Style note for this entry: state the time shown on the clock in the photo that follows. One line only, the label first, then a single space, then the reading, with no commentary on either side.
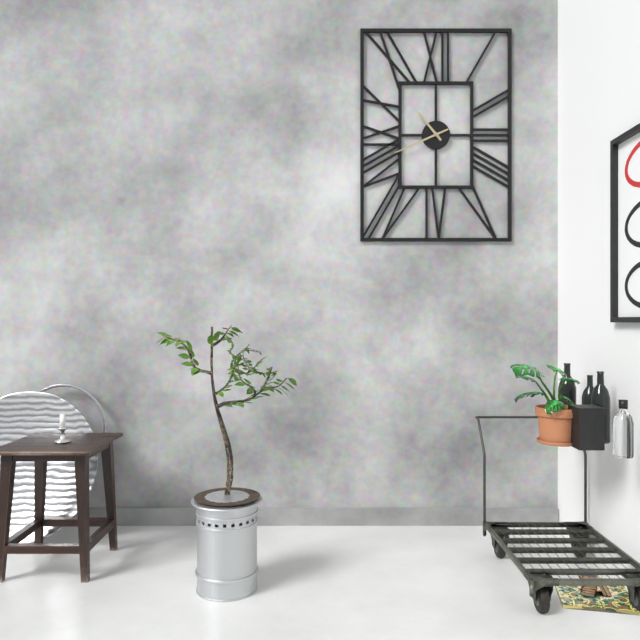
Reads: 10:41
